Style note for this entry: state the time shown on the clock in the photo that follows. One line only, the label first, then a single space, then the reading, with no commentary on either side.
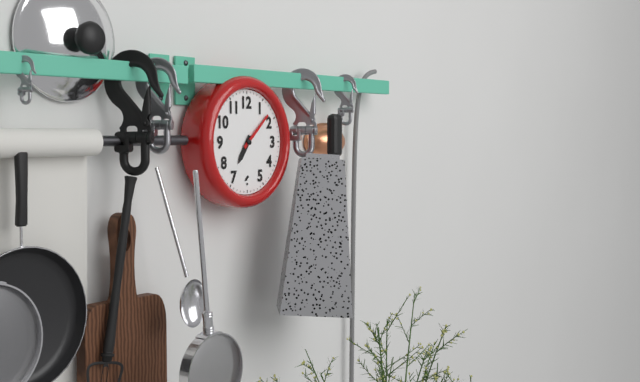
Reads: 7:08
